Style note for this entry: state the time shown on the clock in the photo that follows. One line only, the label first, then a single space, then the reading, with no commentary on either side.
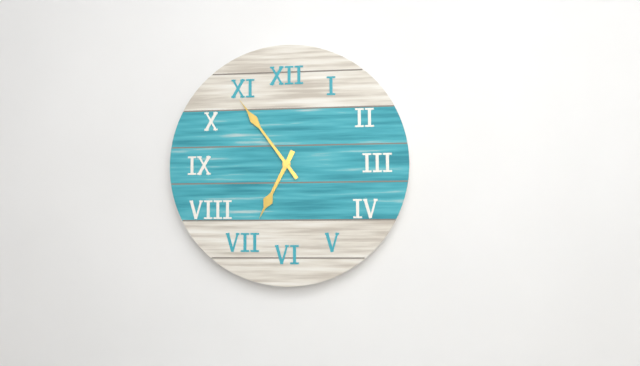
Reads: 6:54
